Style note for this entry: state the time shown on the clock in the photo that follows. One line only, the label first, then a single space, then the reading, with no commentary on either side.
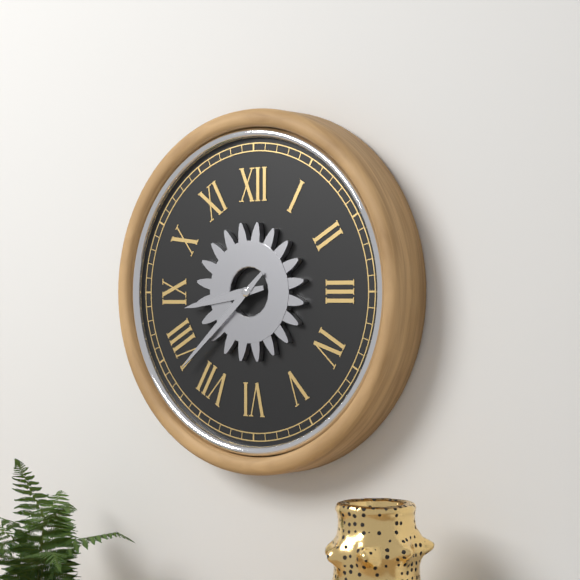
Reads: 8:38
